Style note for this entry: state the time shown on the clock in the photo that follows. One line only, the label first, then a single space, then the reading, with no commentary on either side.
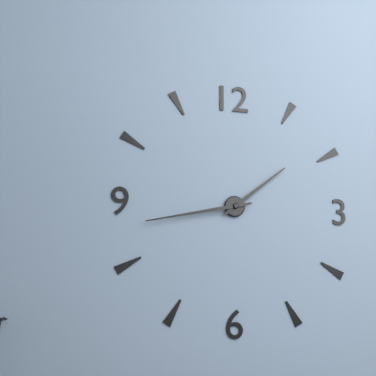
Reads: 1:43
